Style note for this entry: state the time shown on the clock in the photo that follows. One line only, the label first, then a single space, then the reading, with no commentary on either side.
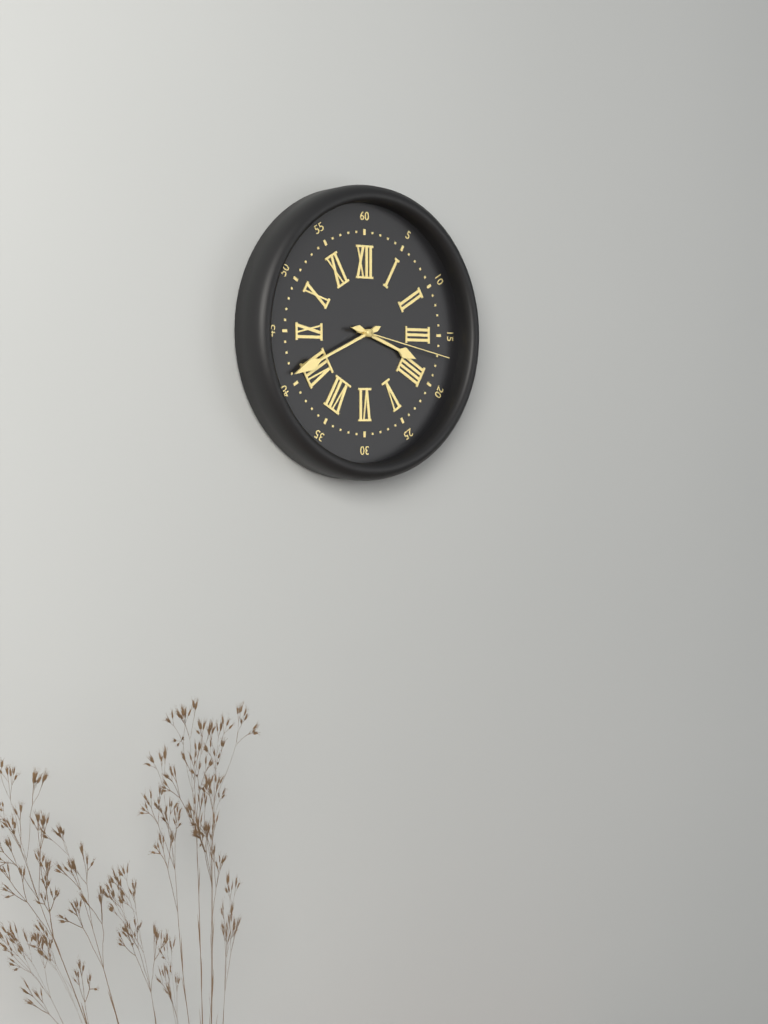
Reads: 3:41:17
